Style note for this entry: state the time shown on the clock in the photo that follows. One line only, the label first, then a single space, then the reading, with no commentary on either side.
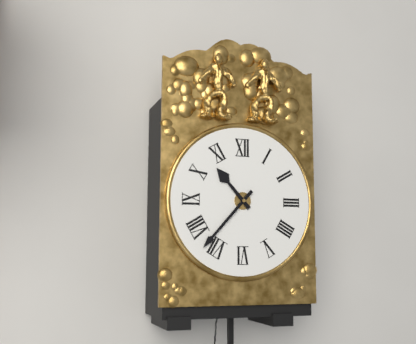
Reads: 10:37
